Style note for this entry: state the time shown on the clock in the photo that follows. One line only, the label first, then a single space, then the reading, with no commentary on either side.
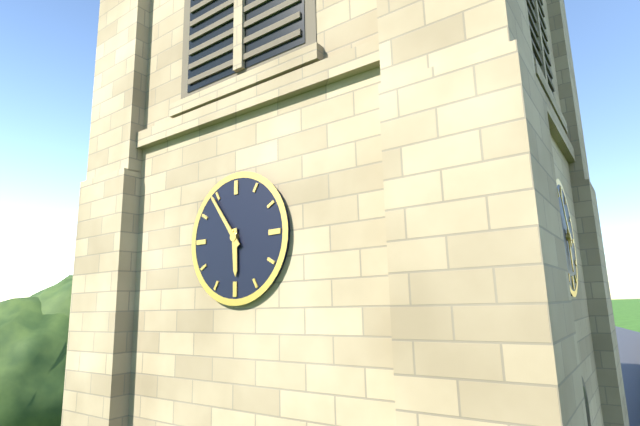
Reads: 5:54
